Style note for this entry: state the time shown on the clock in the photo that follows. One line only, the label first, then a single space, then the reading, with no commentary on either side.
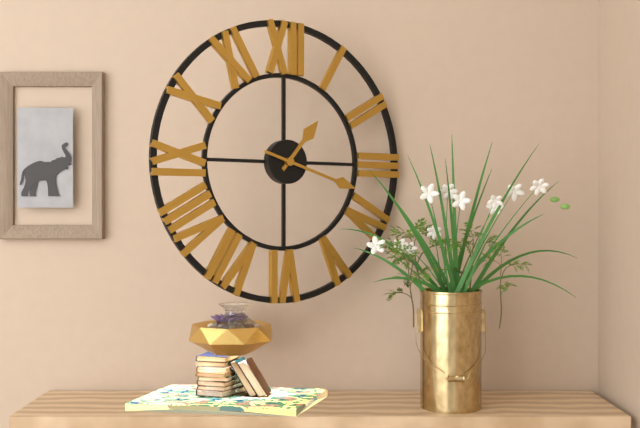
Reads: 1:18
